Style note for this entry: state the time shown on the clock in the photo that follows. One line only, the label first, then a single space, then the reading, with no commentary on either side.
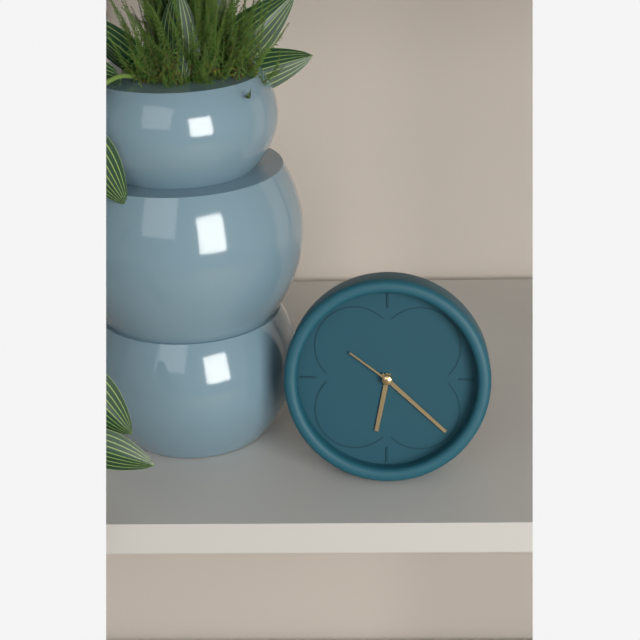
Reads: 6:22:51
